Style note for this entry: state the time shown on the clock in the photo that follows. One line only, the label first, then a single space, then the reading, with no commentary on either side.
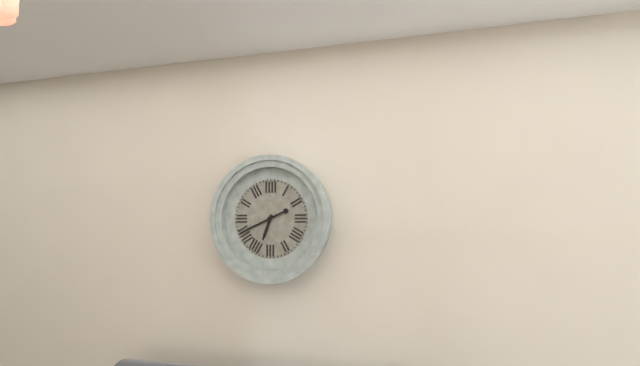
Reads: 6:41
